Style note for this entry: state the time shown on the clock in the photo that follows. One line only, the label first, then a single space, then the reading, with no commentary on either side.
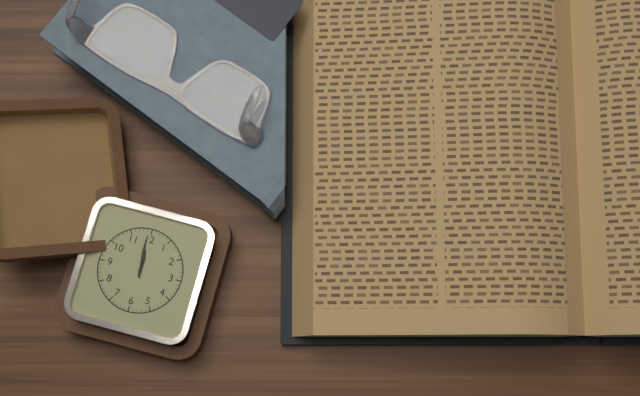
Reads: 11:59
